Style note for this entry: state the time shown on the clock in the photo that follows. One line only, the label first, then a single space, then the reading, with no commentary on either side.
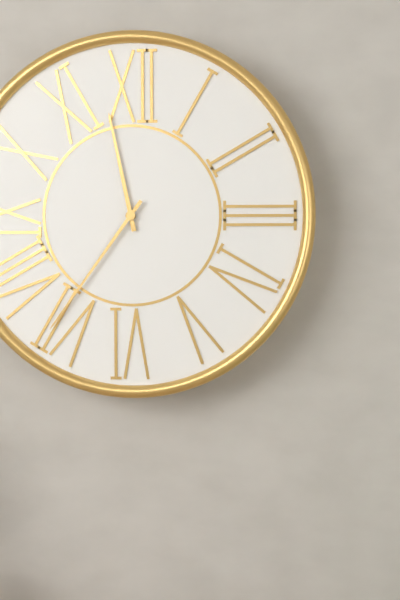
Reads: 11:36
